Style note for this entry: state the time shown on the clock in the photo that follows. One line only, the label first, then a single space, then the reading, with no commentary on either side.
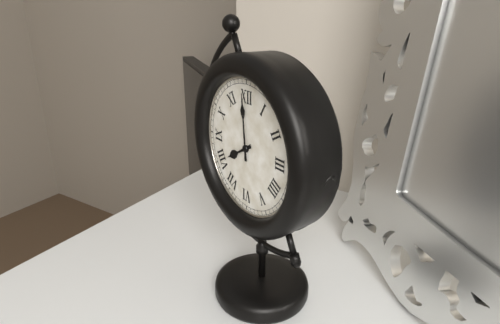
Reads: 7:59
